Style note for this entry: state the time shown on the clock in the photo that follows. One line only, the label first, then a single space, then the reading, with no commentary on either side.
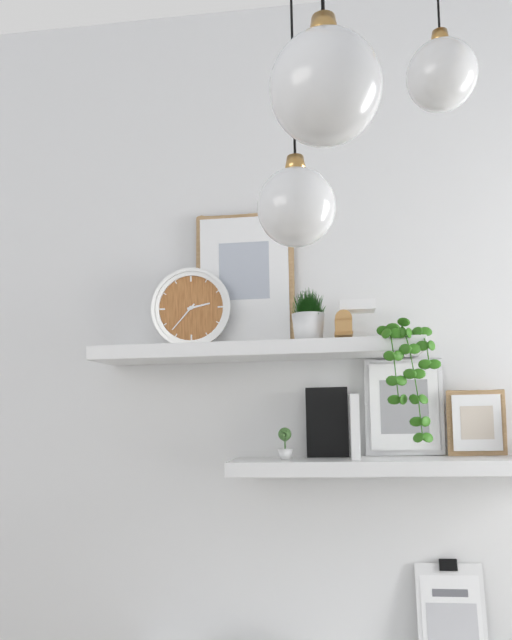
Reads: 2:37
